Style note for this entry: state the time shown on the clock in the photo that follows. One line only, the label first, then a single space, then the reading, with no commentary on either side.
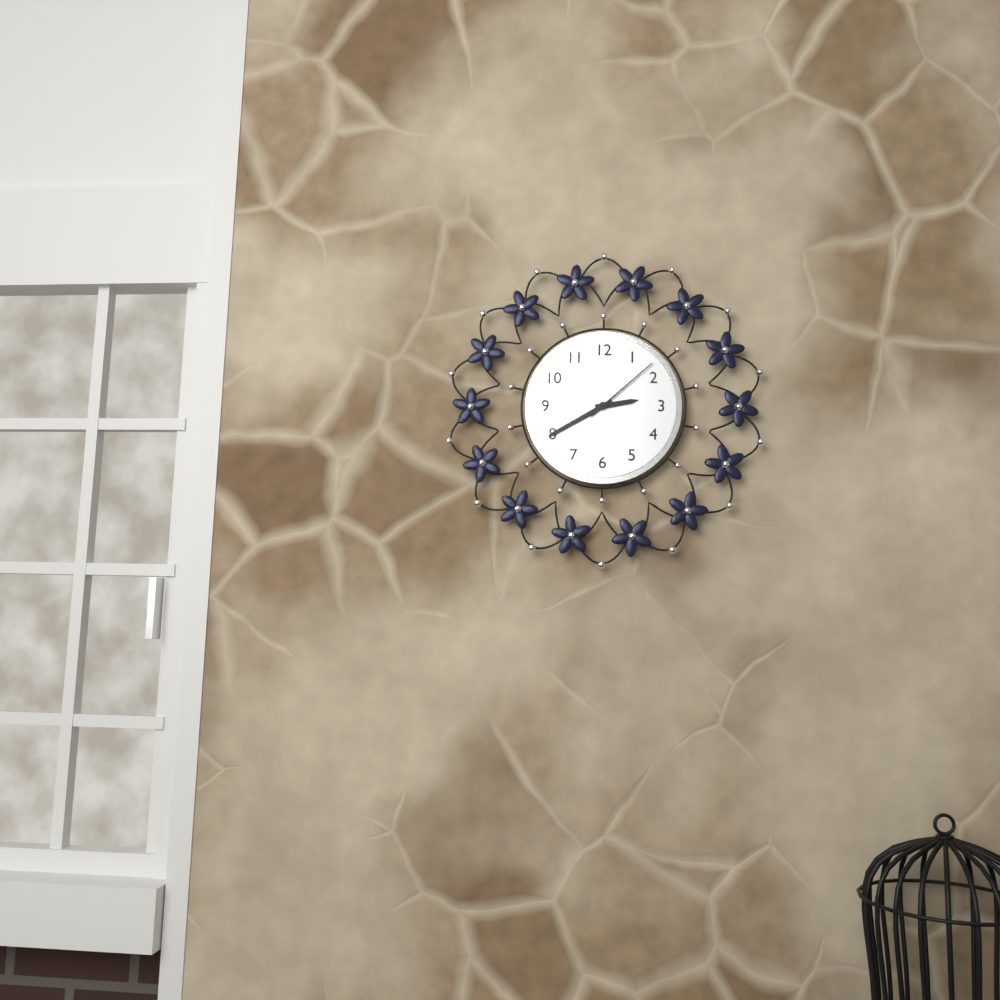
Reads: 2:40:08
